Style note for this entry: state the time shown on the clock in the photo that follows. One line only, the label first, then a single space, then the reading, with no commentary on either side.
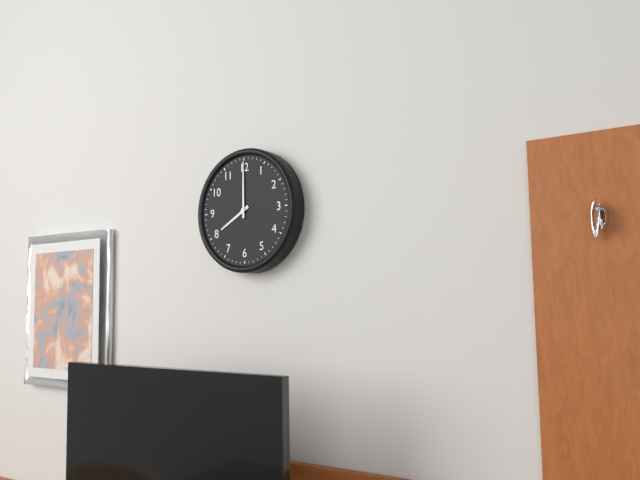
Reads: 8:00
